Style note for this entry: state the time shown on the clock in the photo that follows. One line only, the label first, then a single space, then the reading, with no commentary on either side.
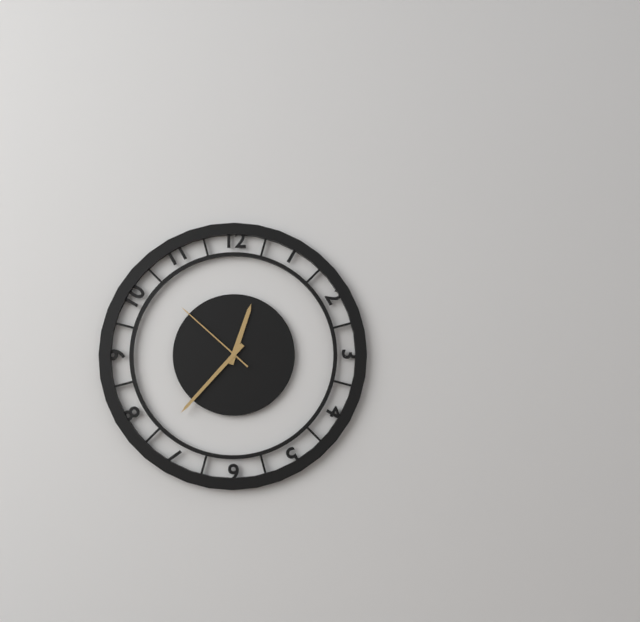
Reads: 12:37:52
